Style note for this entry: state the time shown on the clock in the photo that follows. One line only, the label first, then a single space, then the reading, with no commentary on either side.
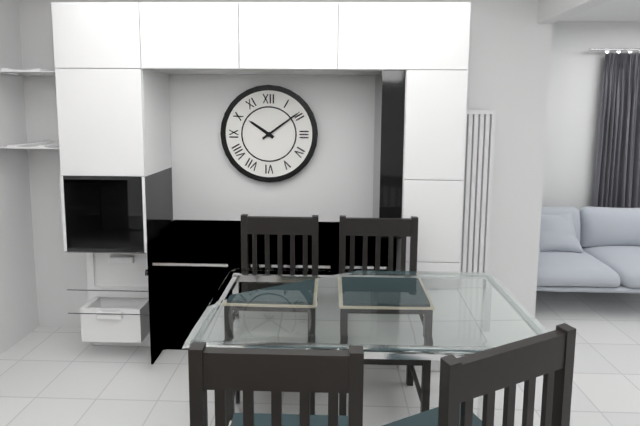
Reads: 10:09
